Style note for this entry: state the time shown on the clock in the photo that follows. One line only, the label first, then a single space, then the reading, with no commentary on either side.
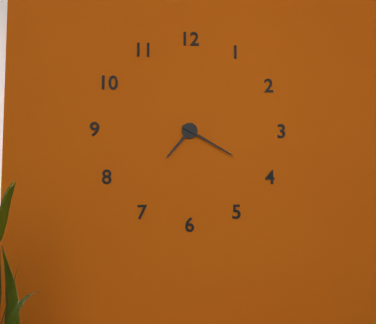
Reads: 7:20
